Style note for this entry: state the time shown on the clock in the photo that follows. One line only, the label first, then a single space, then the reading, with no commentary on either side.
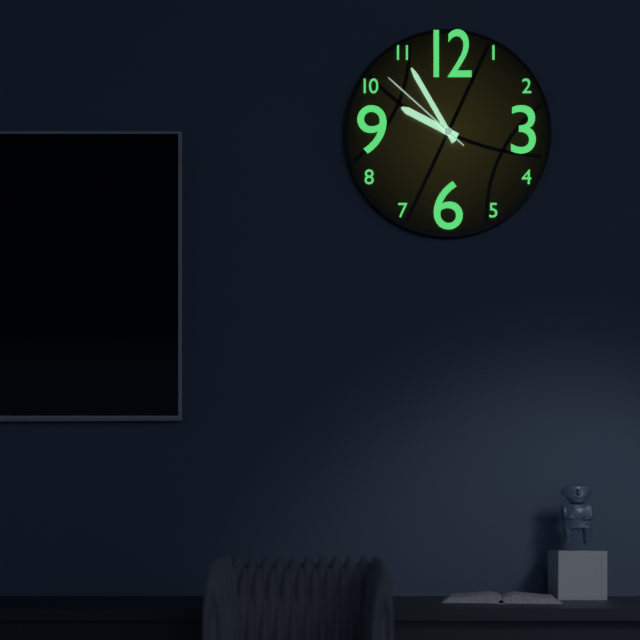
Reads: 9:55:52
